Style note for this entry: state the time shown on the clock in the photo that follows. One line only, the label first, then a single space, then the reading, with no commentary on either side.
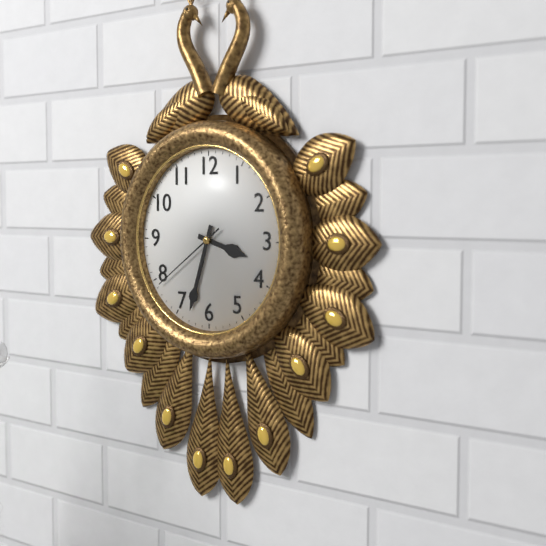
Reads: 3:33:39
